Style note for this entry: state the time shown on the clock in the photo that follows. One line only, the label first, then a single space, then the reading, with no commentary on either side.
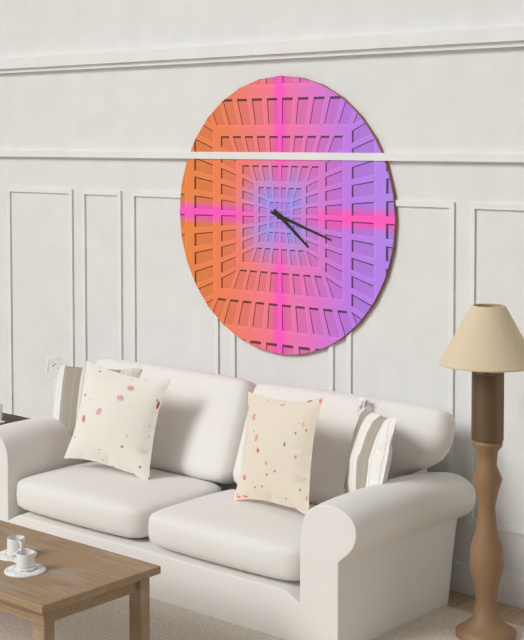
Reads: 4:18
